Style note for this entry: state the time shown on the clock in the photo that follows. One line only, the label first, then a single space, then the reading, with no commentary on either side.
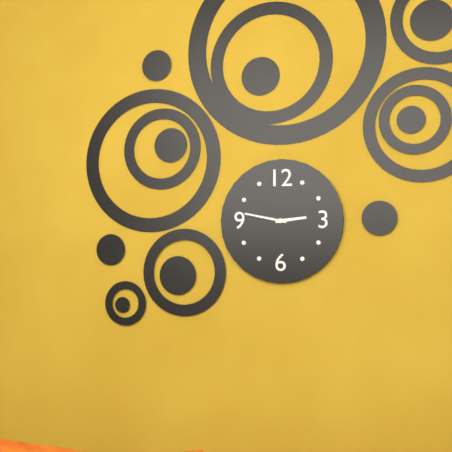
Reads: 2:47
